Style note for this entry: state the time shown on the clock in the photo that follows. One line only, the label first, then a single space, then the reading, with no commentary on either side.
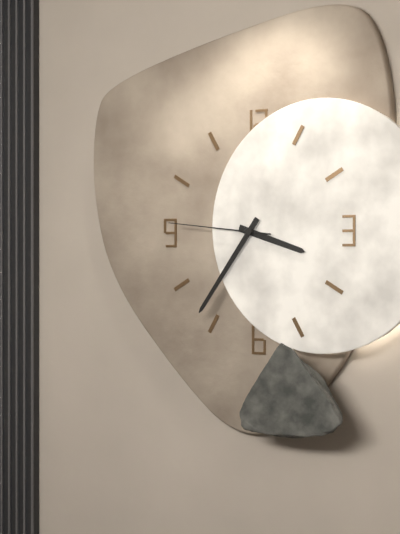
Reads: 3:36:46
